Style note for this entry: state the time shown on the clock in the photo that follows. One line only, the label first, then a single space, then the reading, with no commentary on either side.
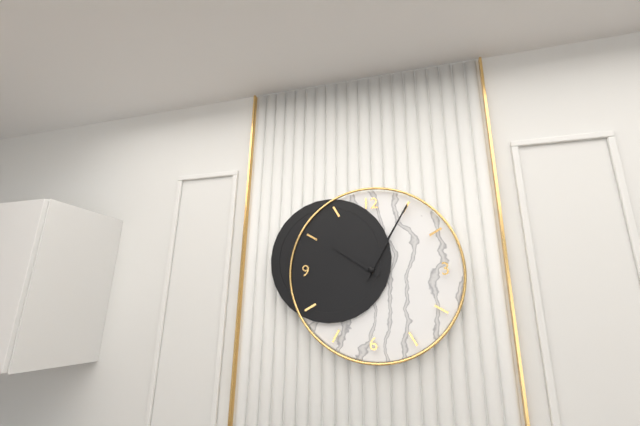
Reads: 10:05
